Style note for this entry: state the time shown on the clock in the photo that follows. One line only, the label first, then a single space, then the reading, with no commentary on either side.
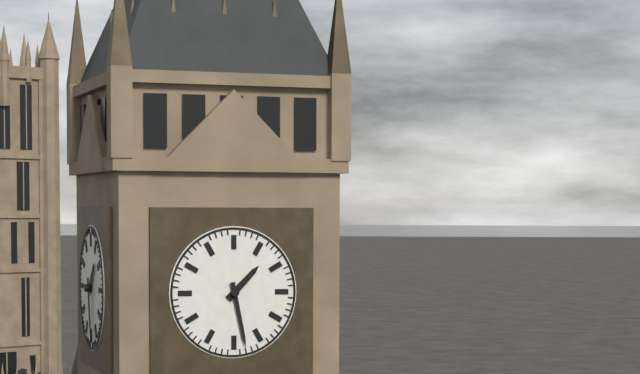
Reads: 1:28
